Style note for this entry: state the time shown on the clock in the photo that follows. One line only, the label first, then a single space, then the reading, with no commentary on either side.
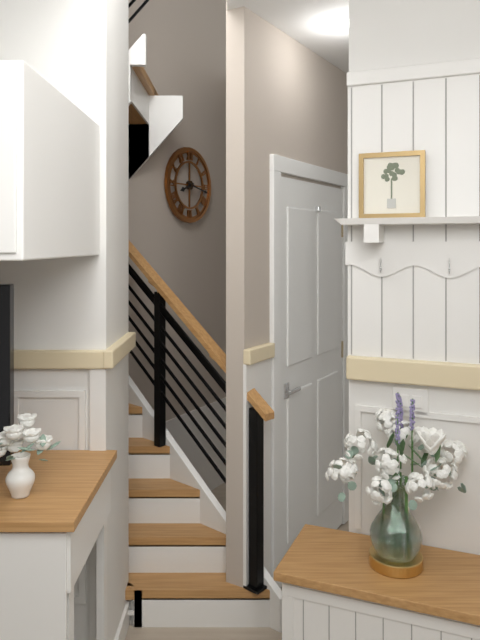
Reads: 8:17
